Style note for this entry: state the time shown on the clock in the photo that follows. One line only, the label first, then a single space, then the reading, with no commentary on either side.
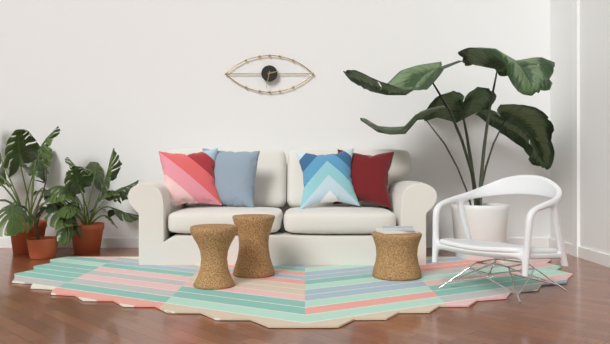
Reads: 2:32
